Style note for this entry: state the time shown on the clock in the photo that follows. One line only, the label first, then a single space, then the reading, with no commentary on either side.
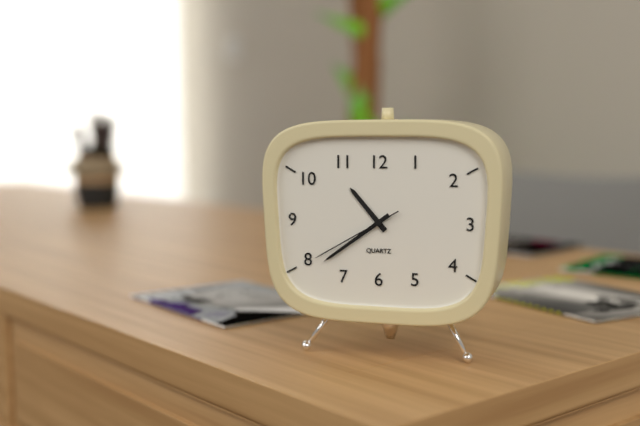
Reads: 10:39:40
